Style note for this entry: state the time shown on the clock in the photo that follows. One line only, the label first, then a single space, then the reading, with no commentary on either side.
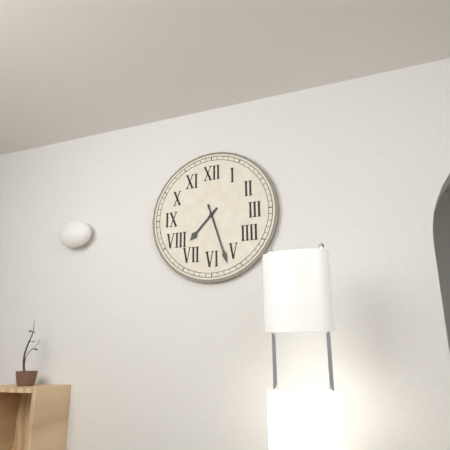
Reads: 7:27
